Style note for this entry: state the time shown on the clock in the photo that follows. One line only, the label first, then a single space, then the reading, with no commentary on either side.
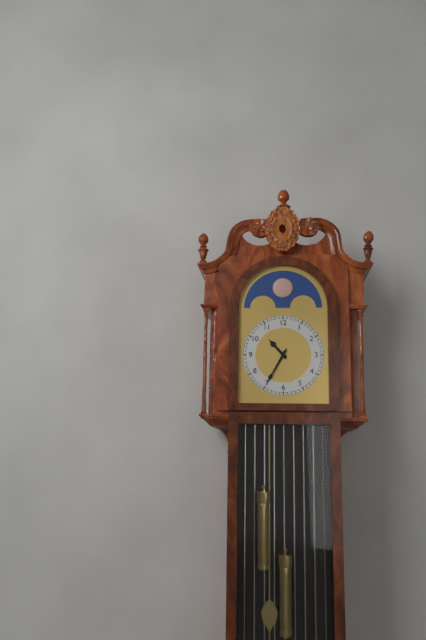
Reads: 10:35
